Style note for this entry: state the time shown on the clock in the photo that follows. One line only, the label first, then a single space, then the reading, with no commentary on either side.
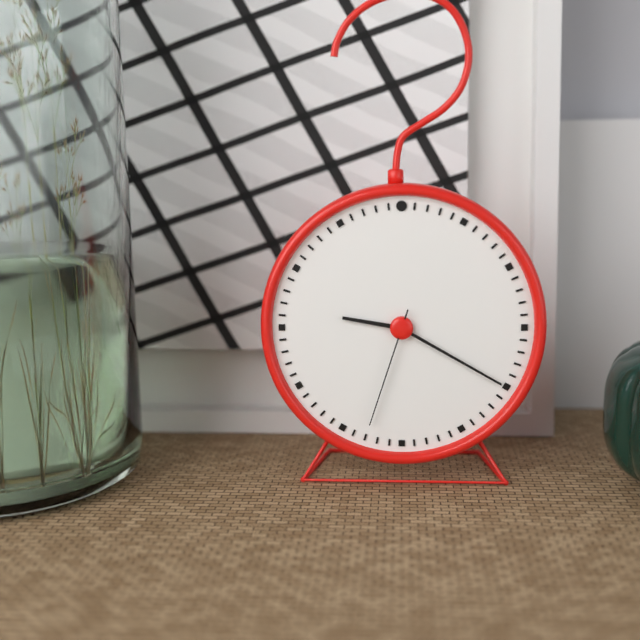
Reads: 9:20:33
